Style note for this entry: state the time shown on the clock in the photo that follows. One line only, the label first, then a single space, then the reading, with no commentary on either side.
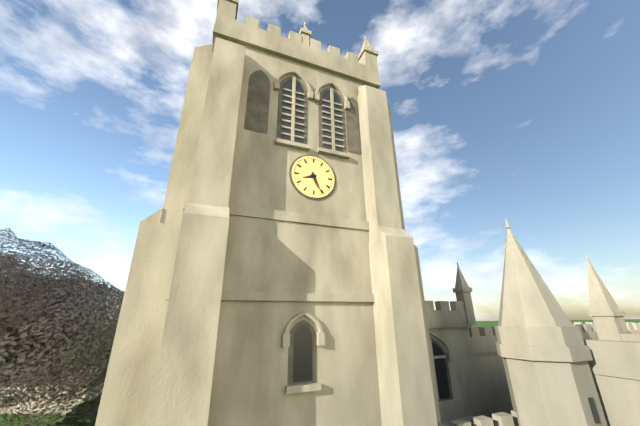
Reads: 8:26
